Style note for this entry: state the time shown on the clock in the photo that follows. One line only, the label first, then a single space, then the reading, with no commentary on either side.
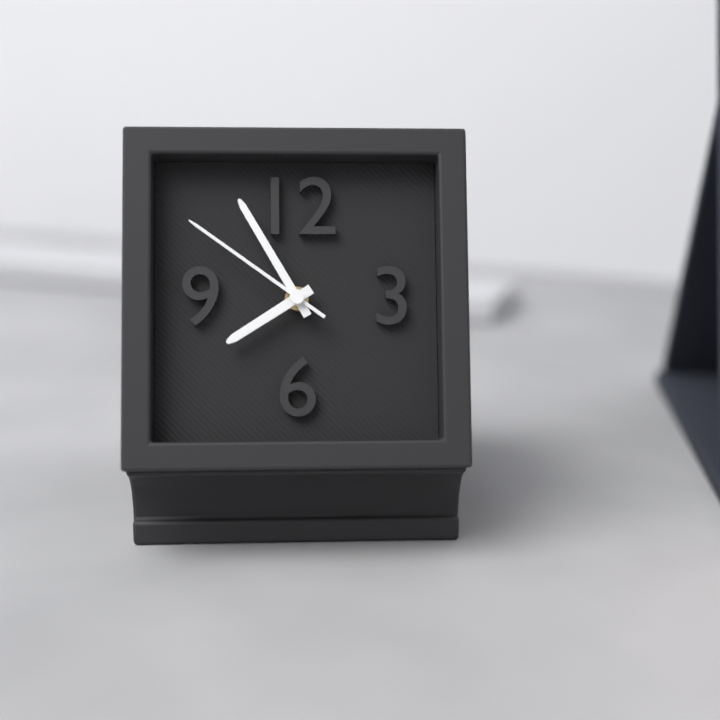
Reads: 7:55:51
